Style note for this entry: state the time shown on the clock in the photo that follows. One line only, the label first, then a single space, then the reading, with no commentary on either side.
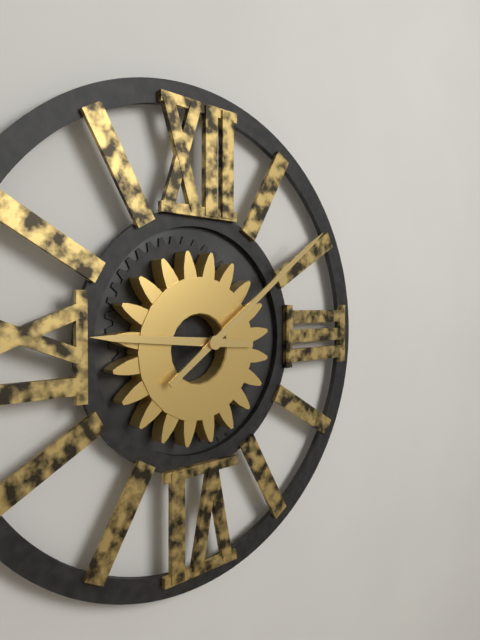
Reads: 9:09
